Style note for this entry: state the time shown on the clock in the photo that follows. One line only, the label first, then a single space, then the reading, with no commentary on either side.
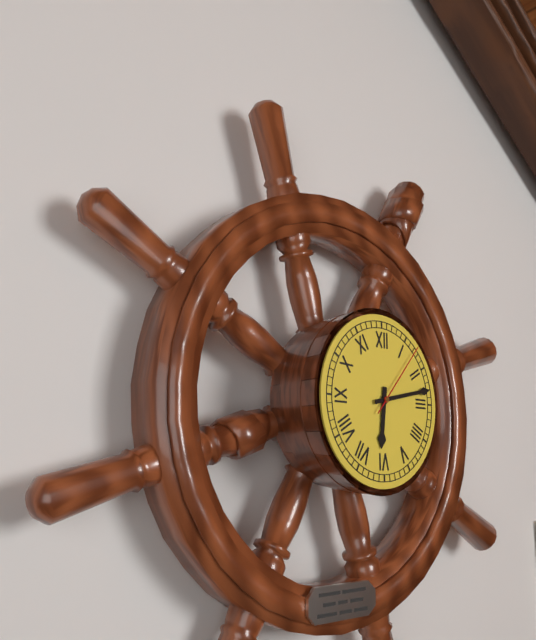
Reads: 6:13:07
